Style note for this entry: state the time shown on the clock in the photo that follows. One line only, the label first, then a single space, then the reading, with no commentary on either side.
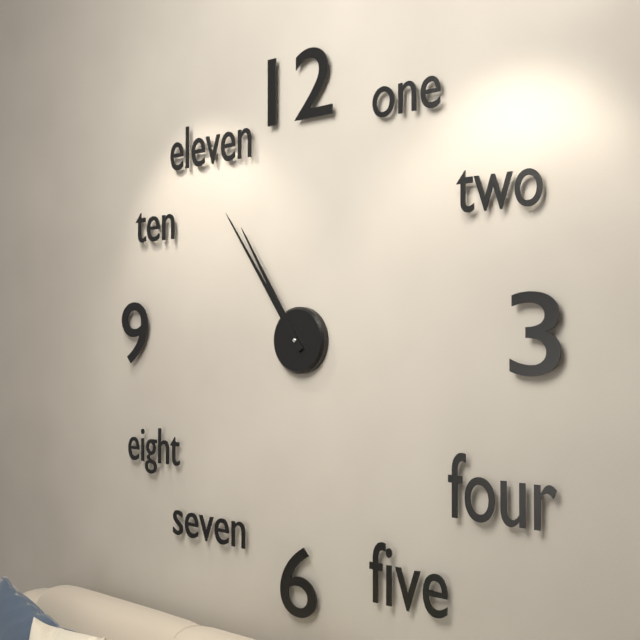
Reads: 10:54
